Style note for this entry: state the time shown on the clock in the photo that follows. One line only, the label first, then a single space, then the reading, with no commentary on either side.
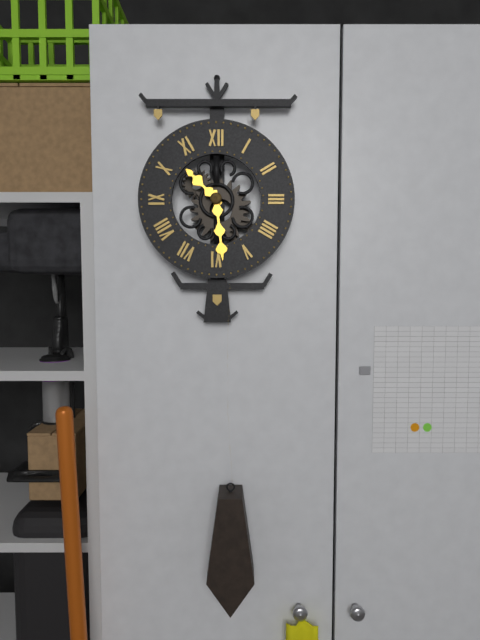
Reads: 10:29
